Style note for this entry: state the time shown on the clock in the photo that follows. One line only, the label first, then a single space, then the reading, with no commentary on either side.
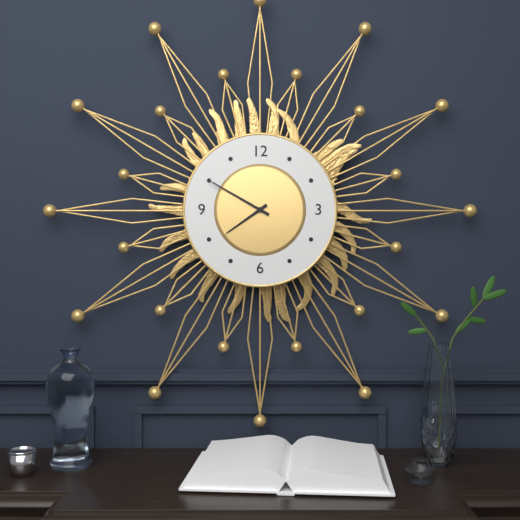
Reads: 7:50
